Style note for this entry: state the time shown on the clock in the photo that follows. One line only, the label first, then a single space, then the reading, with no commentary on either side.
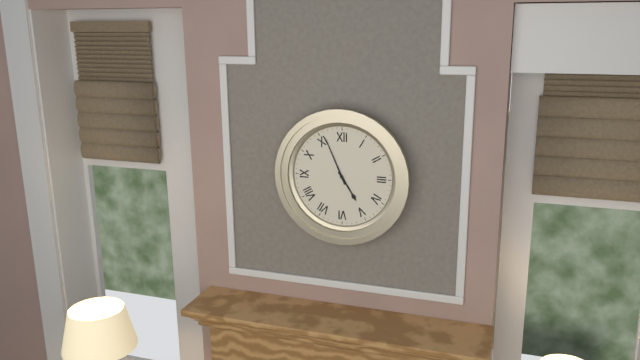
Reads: 4:56
